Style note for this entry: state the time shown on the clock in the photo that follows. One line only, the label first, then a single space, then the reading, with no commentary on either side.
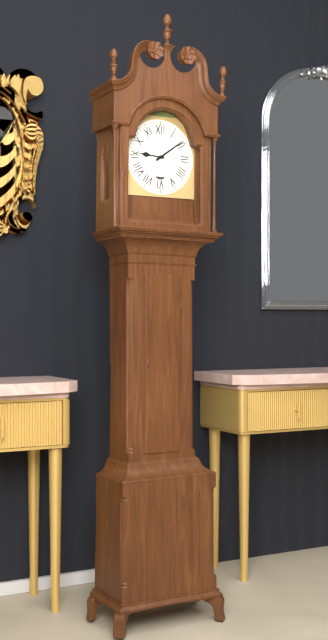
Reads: 9:09
